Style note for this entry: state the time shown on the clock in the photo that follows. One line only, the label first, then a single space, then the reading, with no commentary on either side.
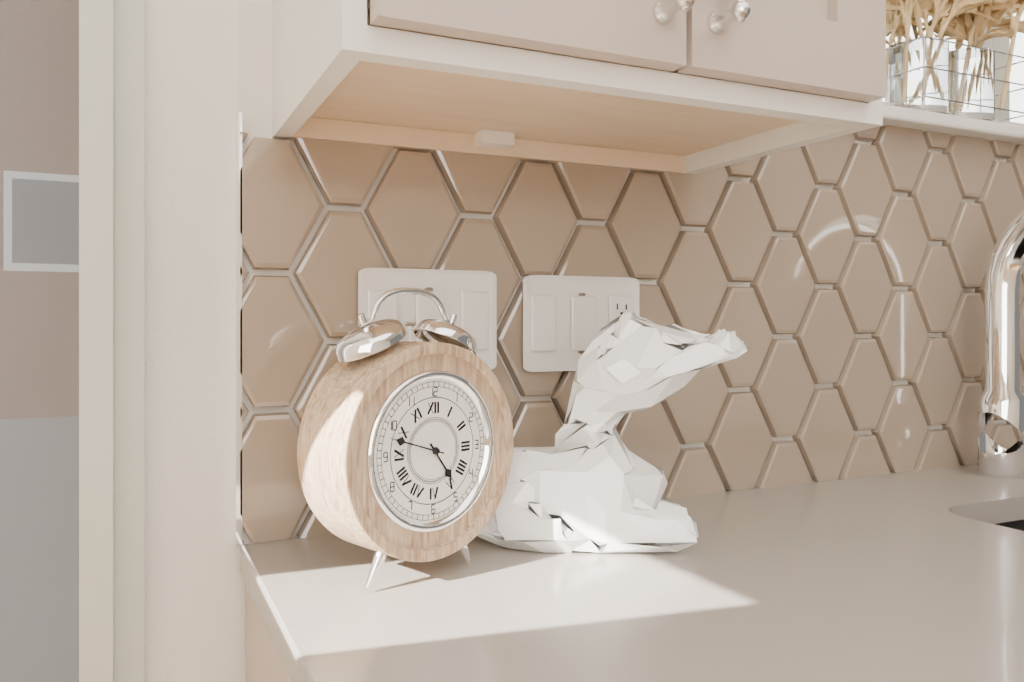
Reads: 4:48
